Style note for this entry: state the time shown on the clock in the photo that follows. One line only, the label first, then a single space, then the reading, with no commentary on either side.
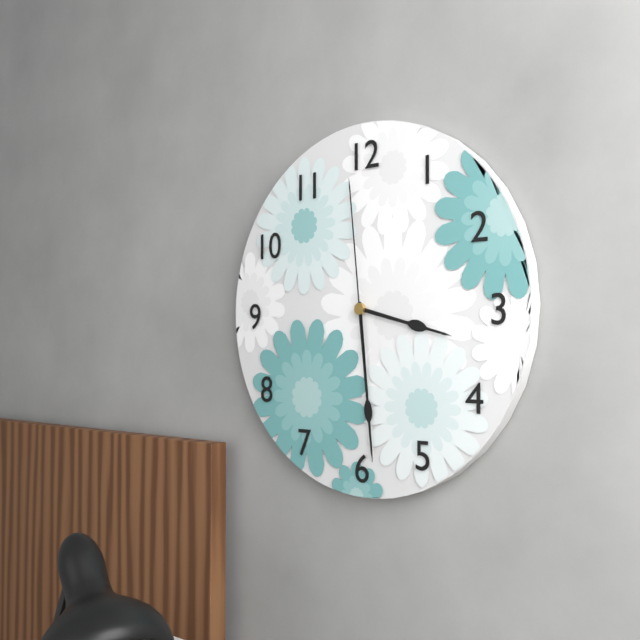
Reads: 3:29:59
